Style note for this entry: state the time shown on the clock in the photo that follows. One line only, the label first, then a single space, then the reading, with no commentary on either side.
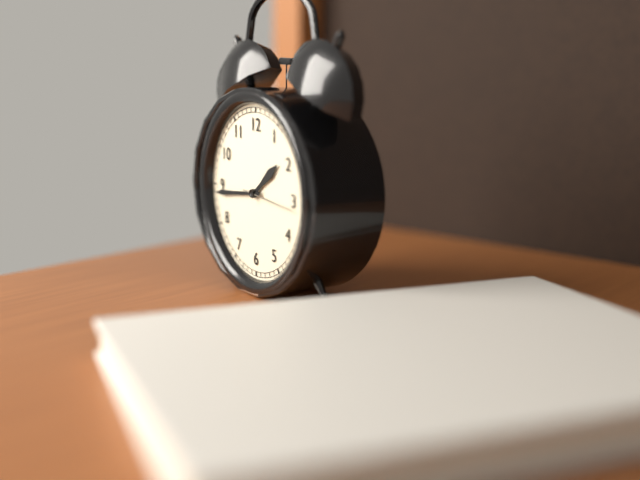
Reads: 1:44
